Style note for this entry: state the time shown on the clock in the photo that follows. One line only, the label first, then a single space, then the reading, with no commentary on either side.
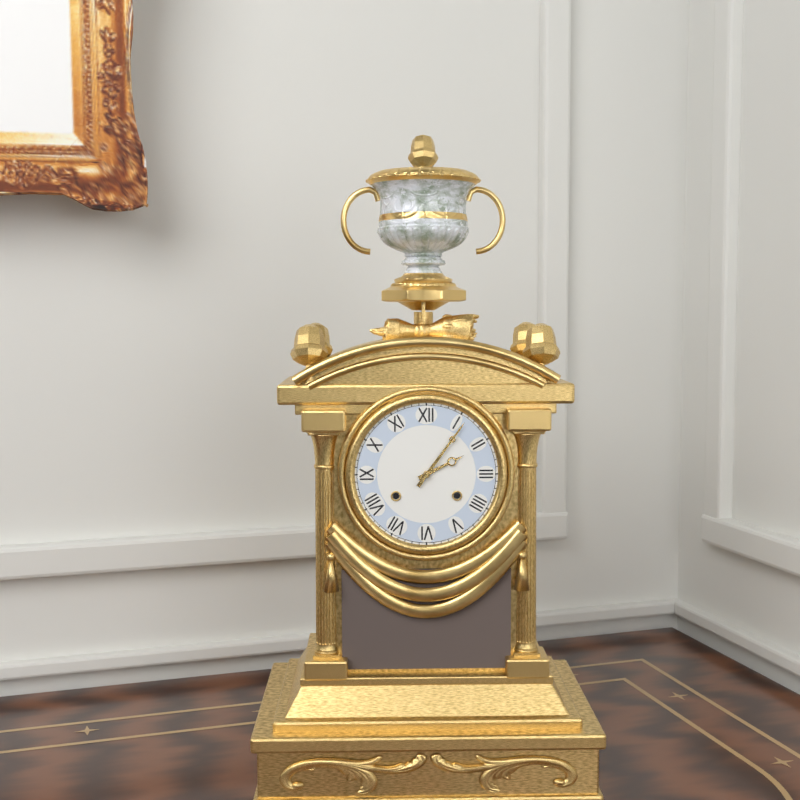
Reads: 2:06
